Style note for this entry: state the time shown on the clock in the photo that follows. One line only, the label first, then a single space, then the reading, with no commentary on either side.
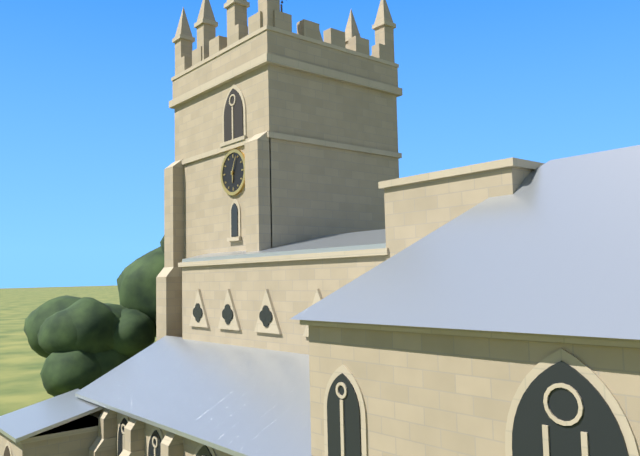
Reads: 6:04
